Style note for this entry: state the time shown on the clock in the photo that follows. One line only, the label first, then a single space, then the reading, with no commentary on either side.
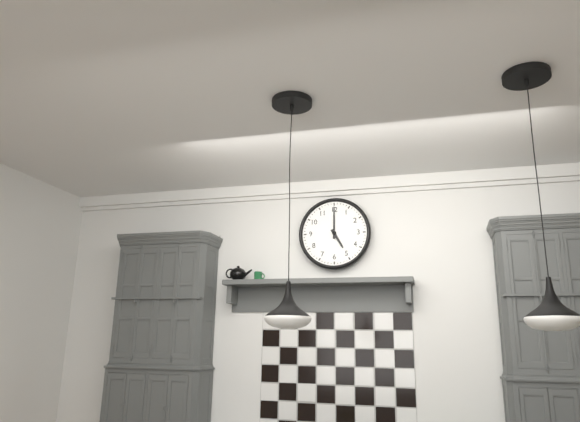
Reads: 5:00
